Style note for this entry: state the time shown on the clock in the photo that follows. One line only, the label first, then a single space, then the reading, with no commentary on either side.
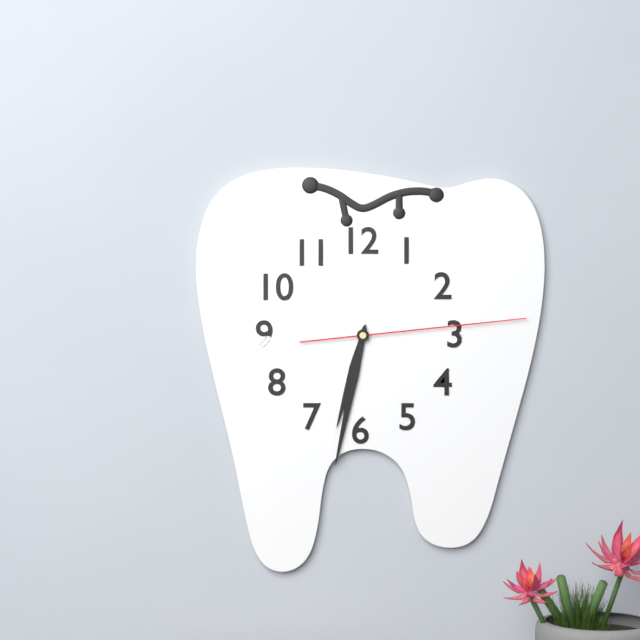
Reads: 6:32:14
